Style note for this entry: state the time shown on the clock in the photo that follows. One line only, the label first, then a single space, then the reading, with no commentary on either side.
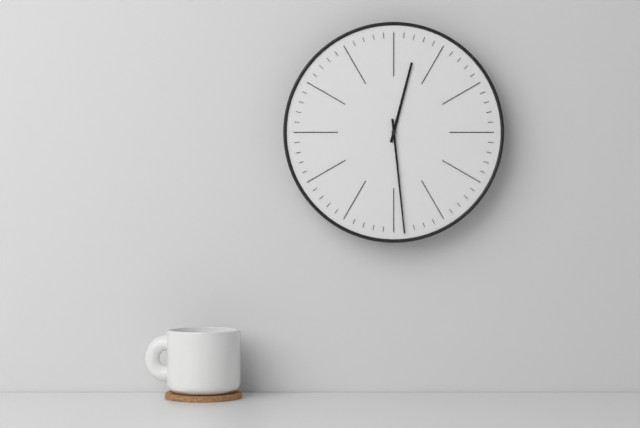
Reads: 12:29
